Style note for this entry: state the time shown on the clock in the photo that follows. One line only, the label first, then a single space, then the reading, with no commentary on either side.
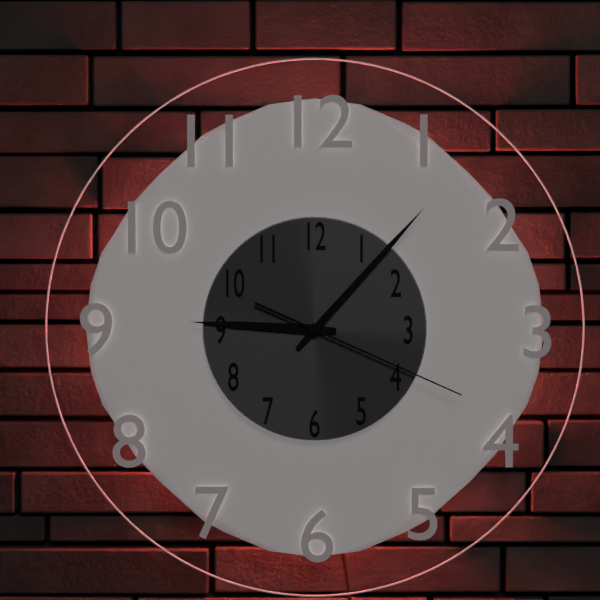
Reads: 9:07:19
